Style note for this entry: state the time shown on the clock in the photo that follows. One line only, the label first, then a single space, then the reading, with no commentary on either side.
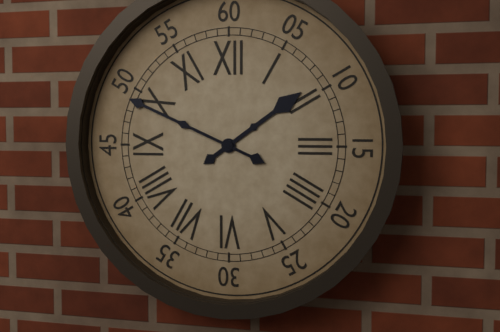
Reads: 1:49
